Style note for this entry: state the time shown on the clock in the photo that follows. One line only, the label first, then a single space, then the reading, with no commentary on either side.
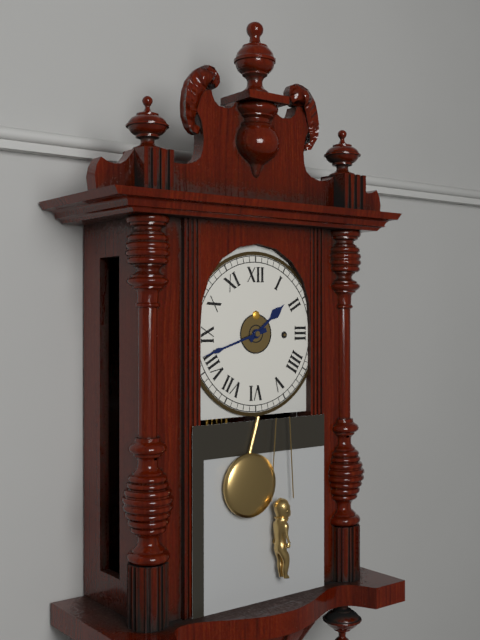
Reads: 1:42
